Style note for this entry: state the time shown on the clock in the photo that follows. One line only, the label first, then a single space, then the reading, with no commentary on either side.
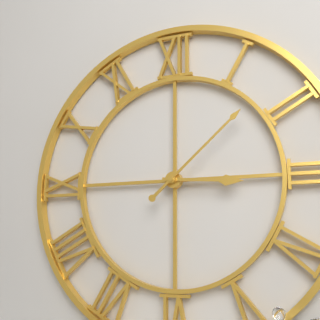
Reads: 3:08
